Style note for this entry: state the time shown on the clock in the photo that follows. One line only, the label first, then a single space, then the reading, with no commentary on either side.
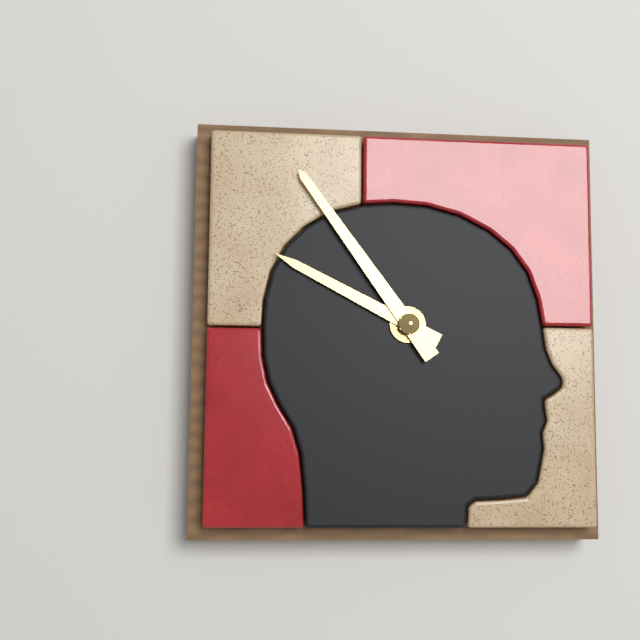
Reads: 9:54
